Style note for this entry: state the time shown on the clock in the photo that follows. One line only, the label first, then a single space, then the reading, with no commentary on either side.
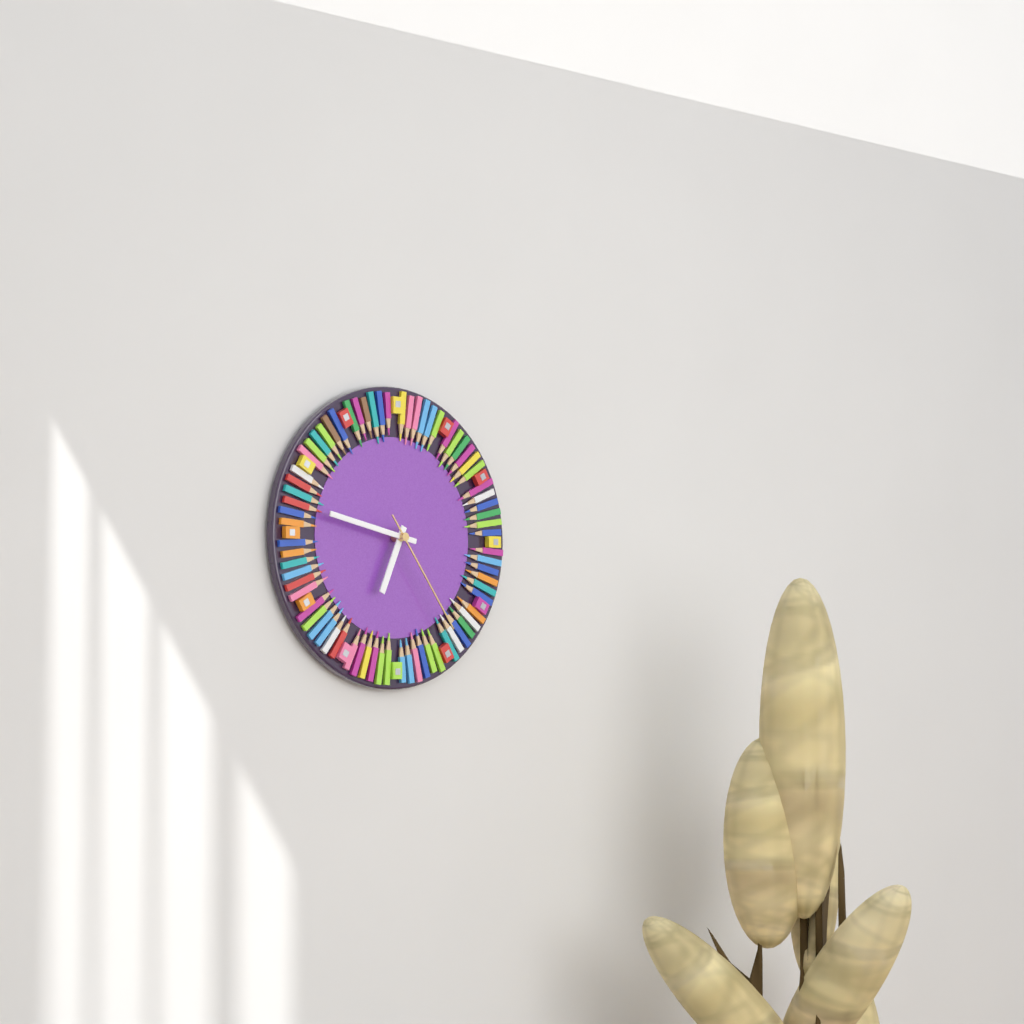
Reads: 6:47:24
